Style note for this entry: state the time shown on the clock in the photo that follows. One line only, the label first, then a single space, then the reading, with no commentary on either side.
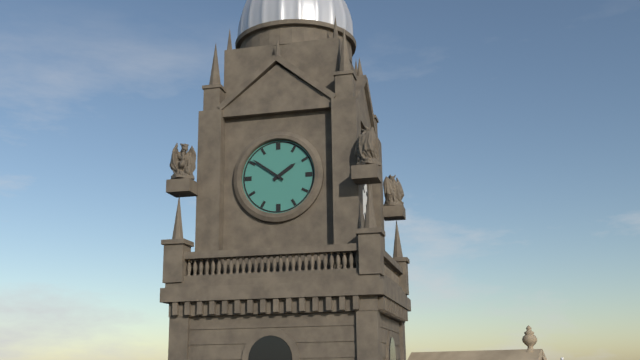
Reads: 1:51
